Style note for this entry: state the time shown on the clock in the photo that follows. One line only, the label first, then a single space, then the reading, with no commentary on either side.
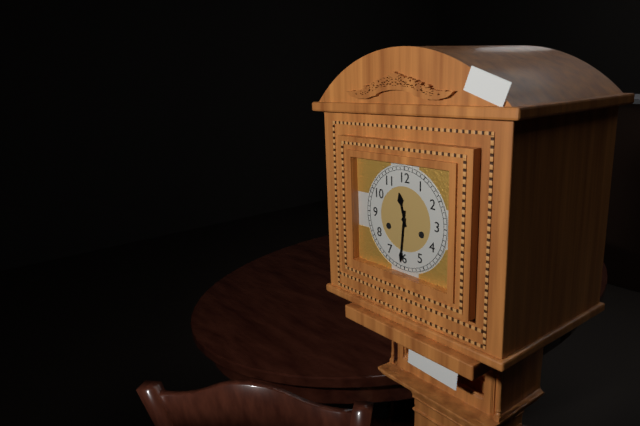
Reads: 11:31
